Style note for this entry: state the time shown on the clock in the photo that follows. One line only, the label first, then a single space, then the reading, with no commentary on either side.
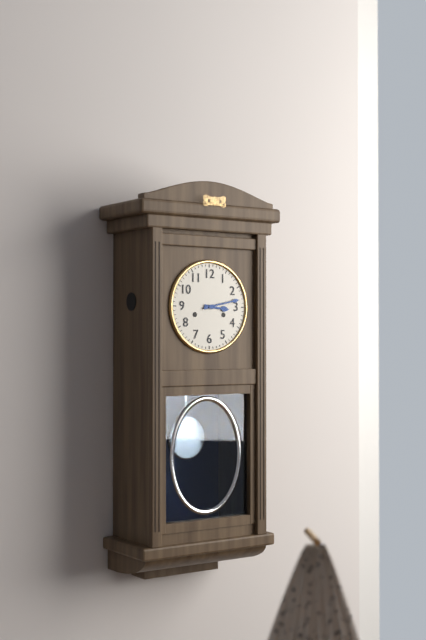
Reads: 3:13
